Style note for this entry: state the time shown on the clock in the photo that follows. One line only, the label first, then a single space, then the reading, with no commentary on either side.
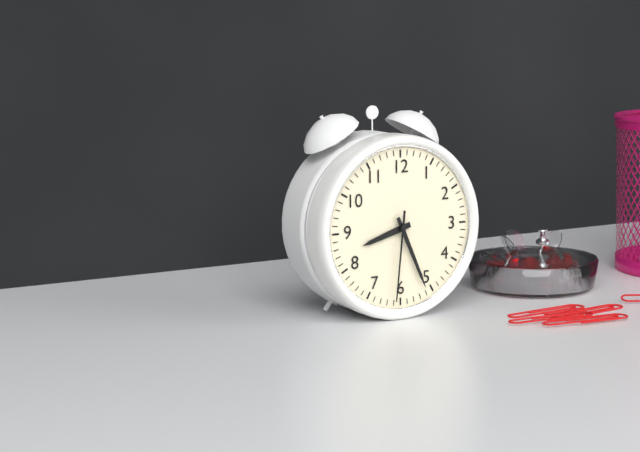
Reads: 8:26:31
